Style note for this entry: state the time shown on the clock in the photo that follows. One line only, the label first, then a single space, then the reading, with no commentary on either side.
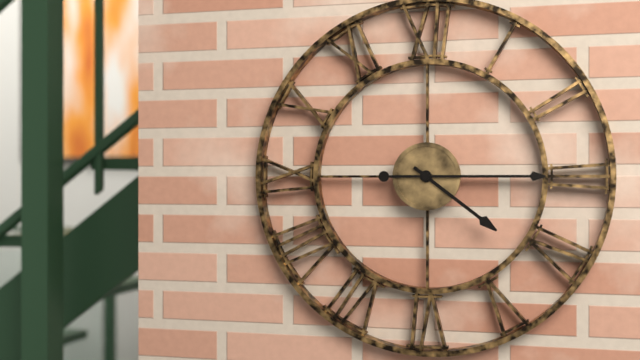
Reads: 4:15
